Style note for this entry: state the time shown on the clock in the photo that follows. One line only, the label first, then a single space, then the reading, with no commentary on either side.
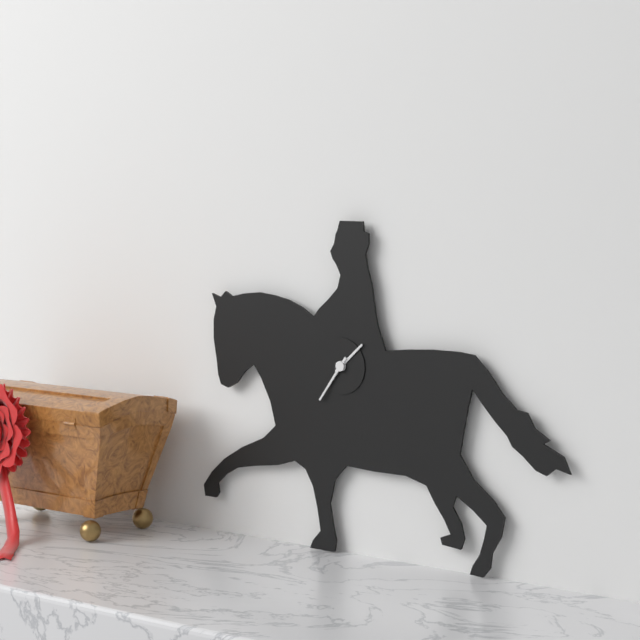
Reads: 1:36
